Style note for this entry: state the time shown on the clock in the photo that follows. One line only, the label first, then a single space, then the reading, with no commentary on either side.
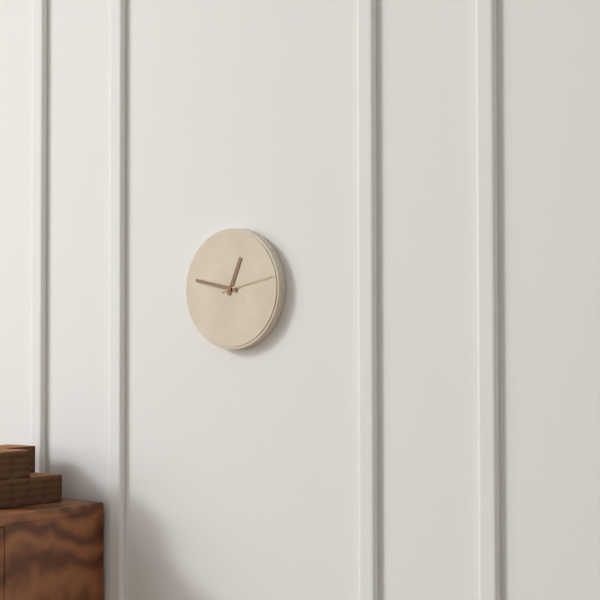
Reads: 12:47:13
